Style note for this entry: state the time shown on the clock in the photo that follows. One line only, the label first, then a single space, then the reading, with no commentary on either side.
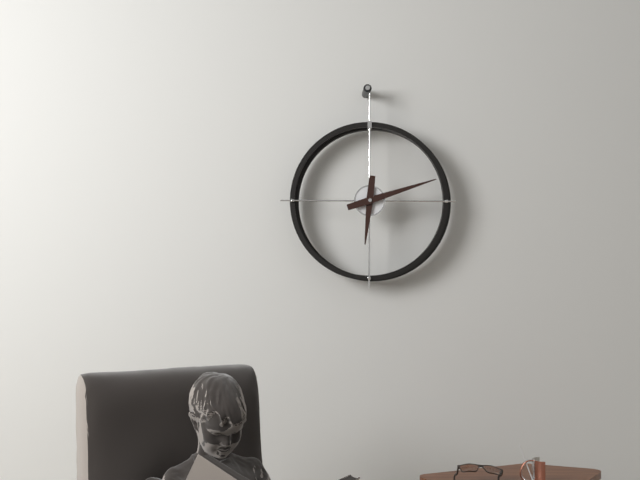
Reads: 6:12
